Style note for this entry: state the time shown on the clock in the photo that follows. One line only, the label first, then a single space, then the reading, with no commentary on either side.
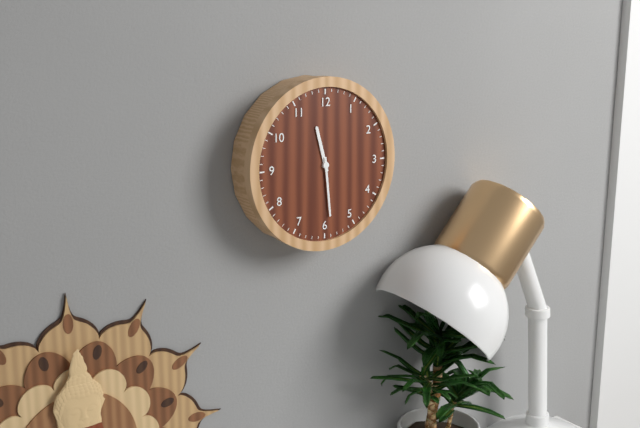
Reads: 11:29
